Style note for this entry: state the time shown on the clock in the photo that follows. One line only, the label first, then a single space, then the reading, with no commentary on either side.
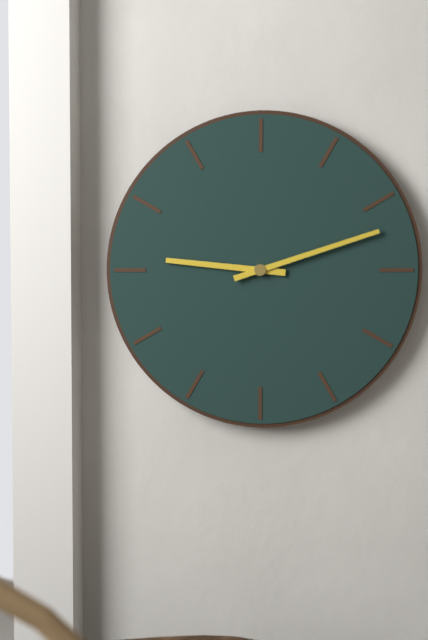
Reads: 9:12
